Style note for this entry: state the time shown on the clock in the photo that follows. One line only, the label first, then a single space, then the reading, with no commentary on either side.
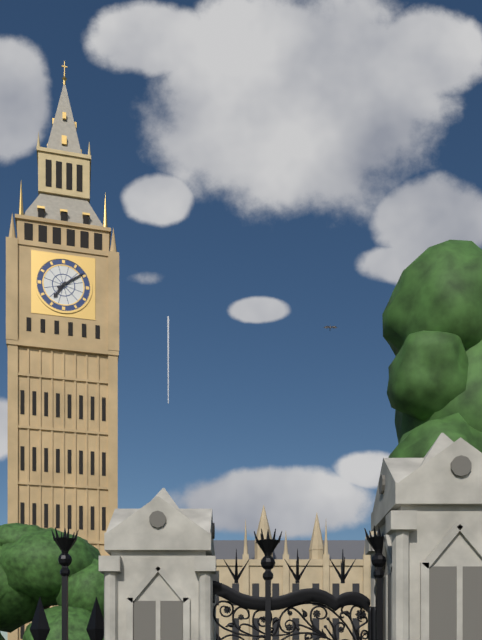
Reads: 7:09
